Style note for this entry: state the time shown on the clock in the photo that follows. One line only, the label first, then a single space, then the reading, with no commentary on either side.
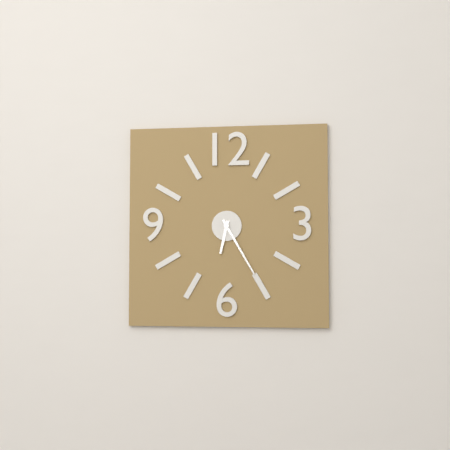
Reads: 6:25
